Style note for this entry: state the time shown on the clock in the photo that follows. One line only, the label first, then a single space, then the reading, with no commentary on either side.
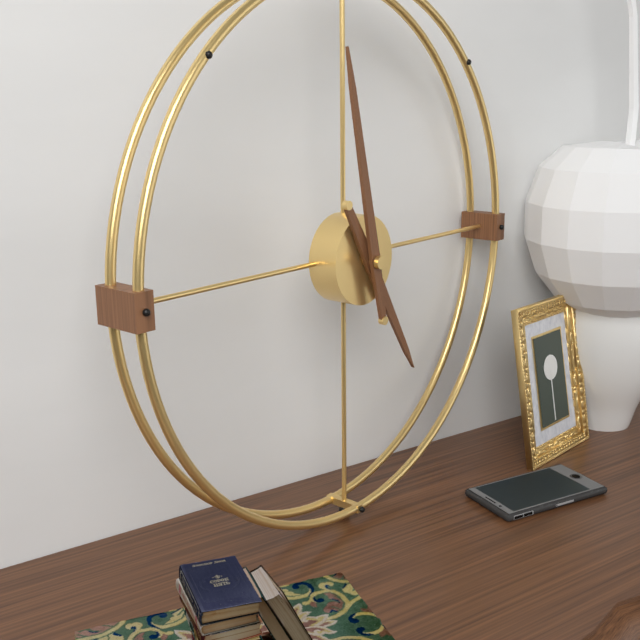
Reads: 4:58
